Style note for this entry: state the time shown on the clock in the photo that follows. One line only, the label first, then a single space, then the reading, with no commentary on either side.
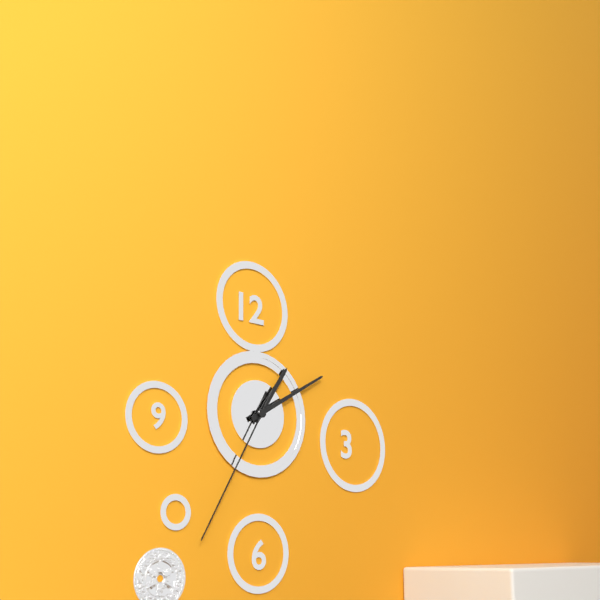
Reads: 1:10:35
